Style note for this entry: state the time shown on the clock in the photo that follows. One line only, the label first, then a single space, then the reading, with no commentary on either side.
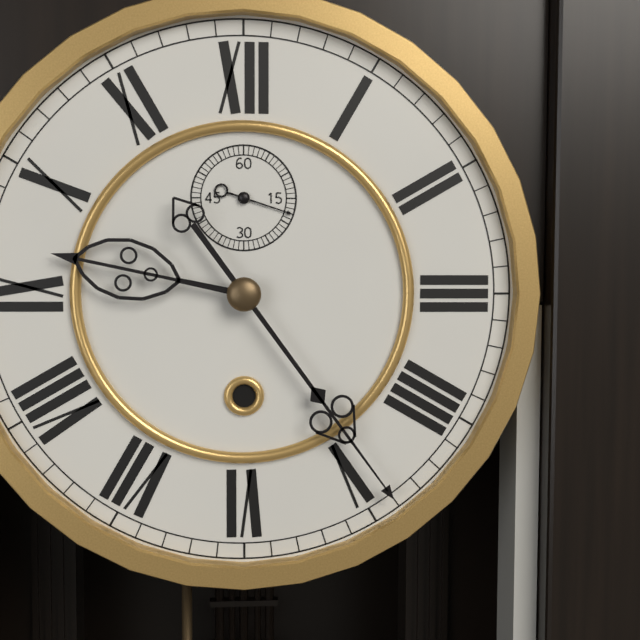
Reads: 9:24:18
